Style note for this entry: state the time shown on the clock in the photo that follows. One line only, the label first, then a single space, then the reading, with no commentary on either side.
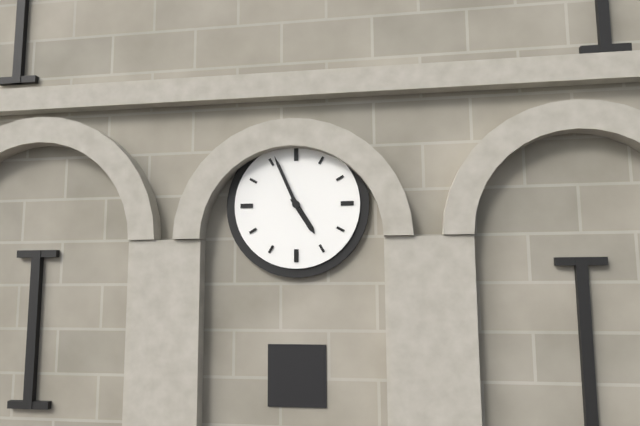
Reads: 4:56
